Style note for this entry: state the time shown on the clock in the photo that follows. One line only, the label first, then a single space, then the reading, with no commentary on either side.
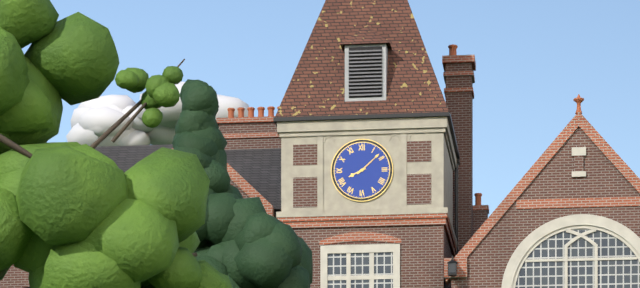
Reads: 8:08
